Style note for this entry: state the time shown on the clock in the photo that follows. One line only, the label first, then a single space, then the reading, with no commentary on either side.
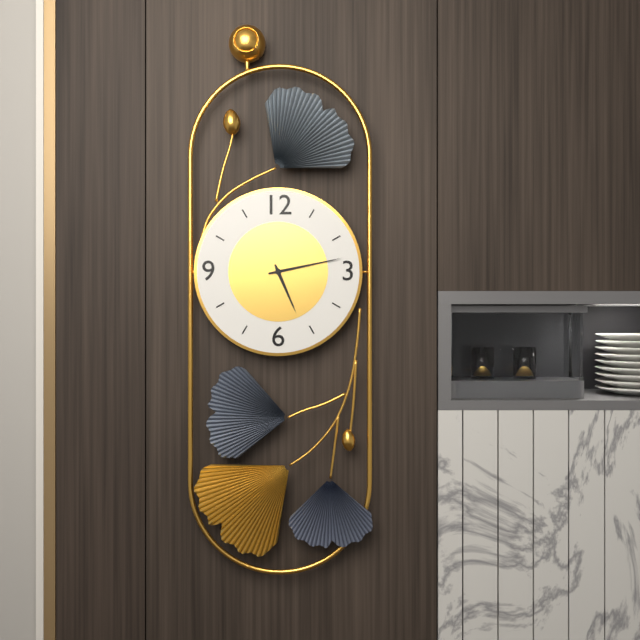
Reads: 5:13
